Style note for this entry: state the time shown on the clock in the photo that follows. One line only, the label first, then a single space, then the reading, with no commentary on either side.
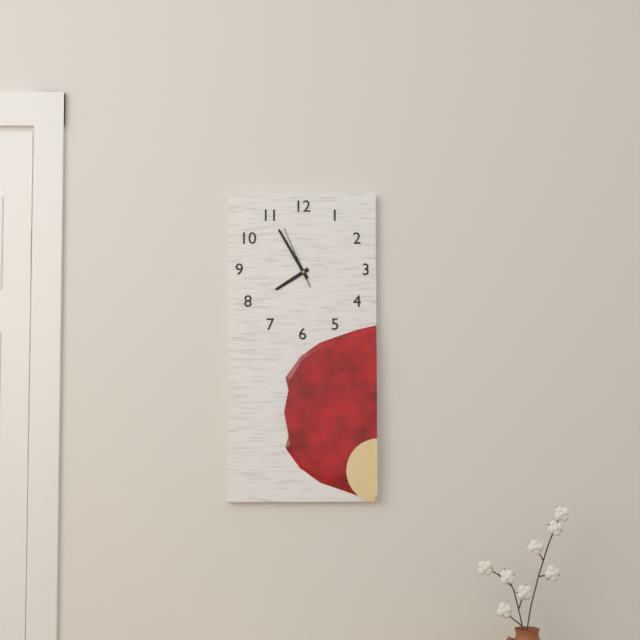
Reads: 7:55:56
